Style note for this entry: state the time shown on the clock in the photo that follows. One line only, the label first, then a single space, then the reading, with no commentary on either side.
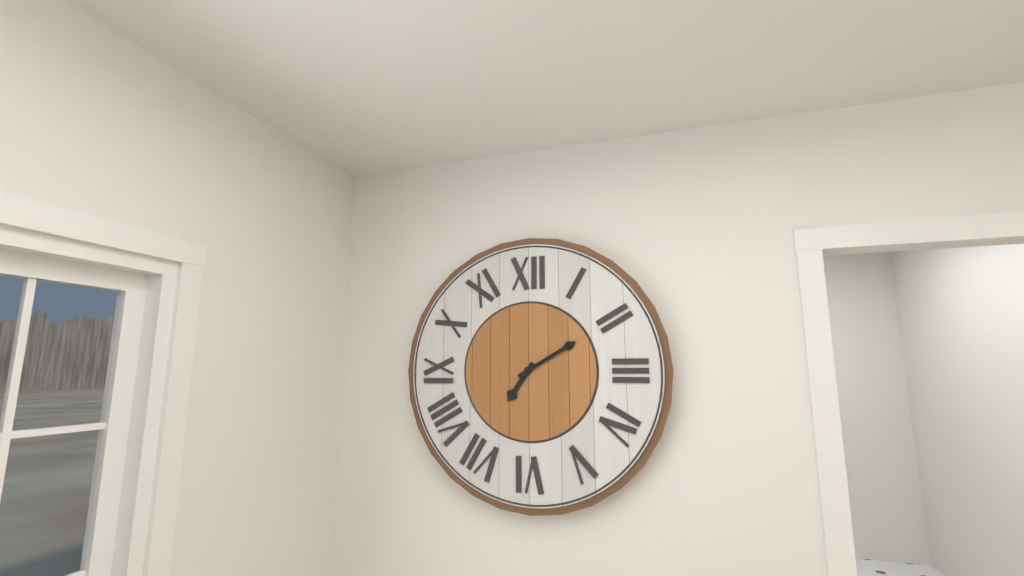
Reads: 7:10
